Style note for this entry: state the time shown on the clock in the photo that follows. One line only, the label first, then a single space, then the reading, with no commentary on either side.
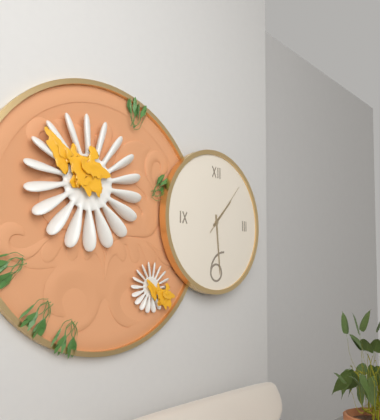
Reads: 1:29:07
